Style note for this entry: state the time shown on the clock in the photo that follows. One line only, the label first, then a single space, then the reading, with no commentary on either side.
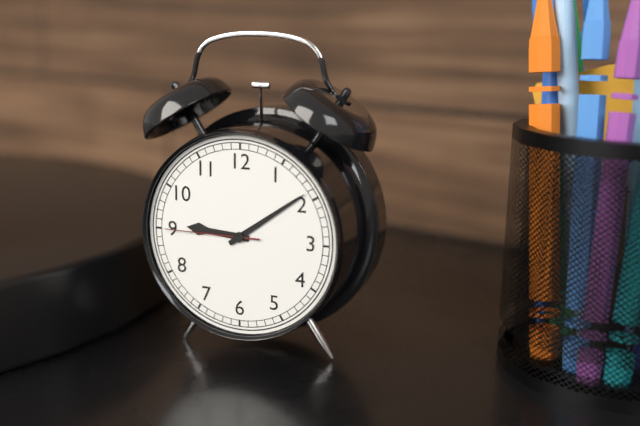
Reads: 9:09:45
